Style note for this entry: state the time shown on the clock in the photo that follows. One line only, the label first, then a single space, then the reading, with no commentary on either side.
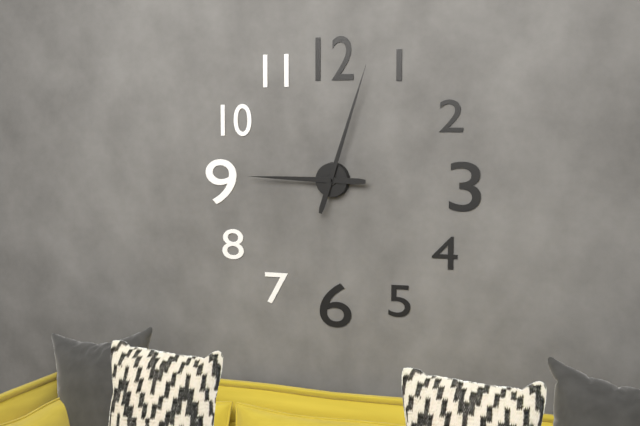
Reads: 9:03
